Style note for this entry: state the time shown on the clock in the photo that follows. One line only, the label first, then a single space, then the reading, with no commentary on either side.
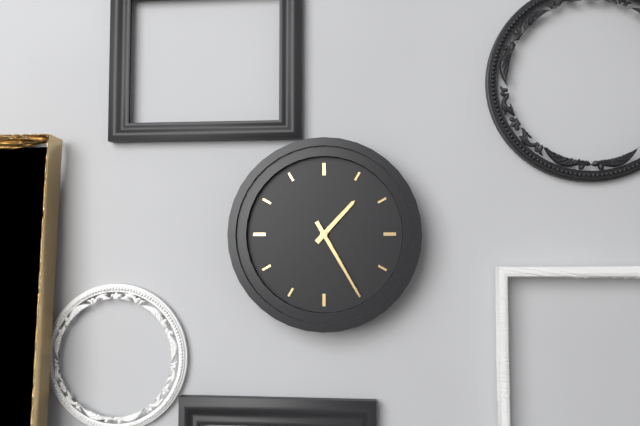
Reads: 1:25
